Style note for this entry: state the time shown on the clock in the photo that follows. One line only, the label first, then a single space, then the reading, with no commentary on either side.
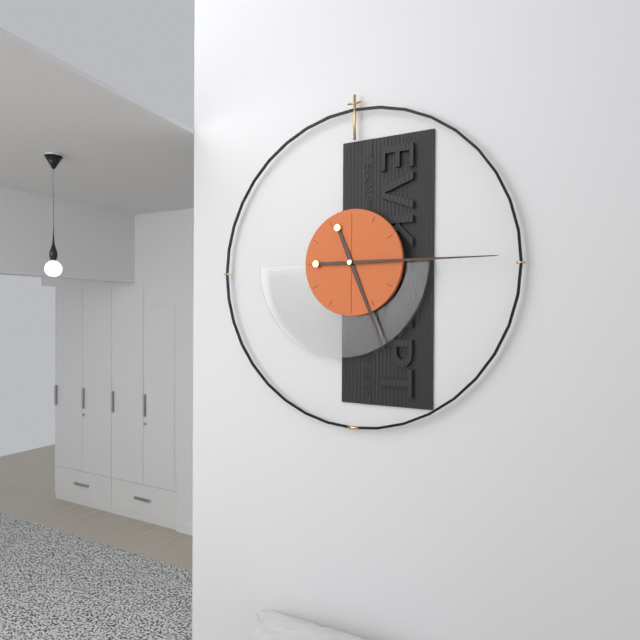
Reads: 5:15
